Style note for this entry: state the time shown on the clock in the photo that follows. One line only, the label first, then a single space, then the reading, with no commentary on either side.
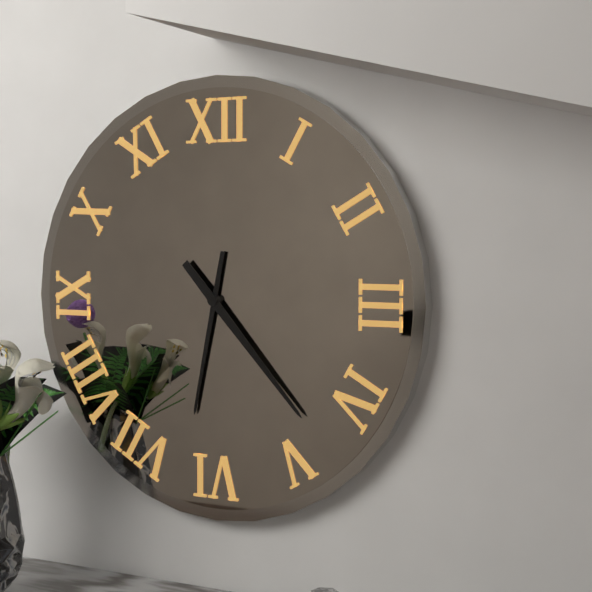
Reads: 6:23
